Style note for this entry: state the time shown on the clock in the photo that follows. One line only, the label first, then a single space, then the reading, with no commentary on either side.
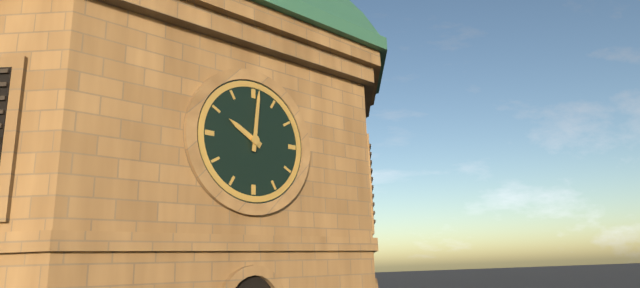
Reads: 10:01
